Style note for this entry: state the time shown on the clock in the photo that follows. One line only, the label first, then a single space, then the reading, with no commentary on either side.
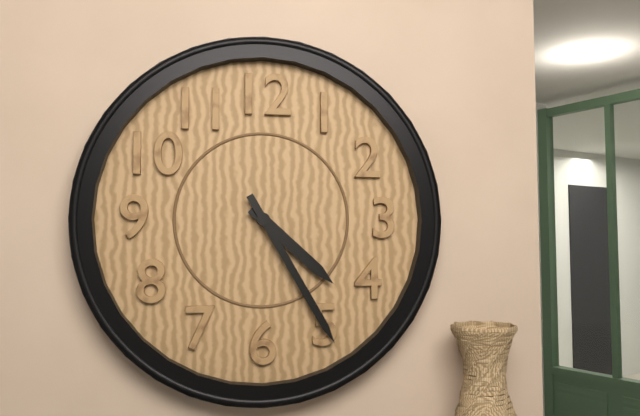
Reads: 4:25
